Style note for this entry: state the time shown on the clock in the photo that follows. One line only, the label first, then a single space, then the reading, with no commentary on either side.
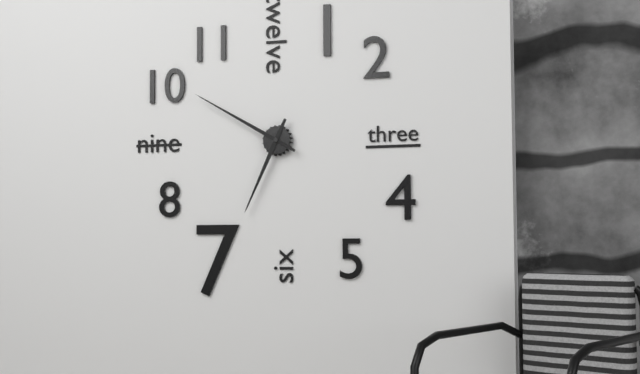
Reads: 6:50
